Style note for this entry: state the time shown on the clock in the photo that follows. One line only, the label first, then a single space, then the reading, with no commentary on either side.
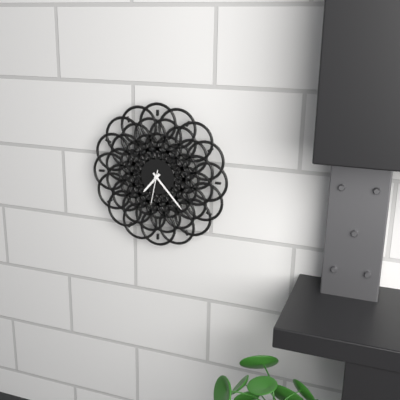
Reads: 7:23
